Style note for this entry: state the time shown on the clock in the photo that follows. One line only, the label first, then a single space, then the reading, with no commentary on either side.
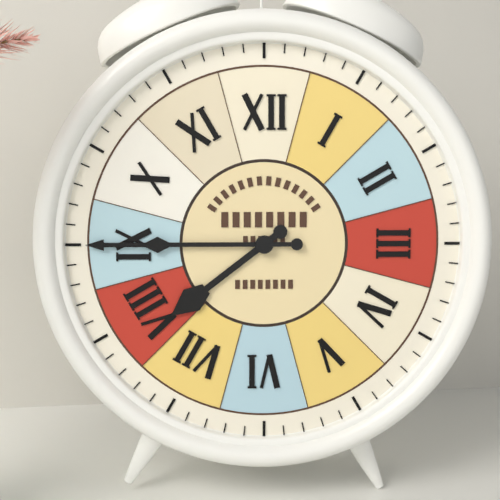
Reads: 7:45
